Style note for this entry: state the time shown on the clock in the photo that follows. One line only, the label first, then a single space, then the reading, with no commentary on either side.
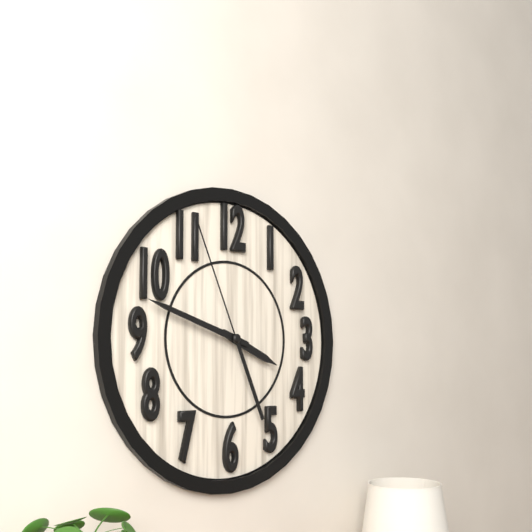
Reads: 3:48:56
